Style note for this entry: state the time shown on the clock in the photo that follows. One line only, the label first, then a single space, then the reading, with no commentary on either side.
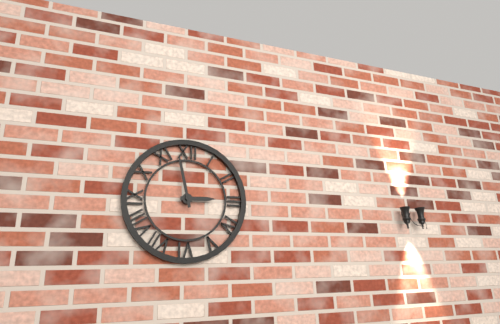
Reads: 2:58
